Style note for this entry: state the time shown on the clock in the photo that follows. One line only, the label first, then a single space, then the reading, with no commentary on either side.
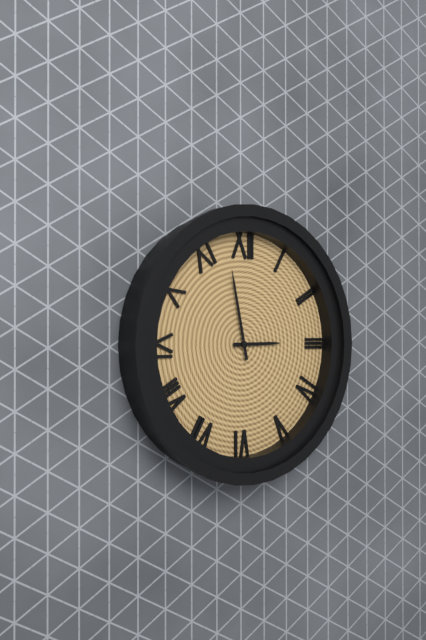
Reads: 2:58
